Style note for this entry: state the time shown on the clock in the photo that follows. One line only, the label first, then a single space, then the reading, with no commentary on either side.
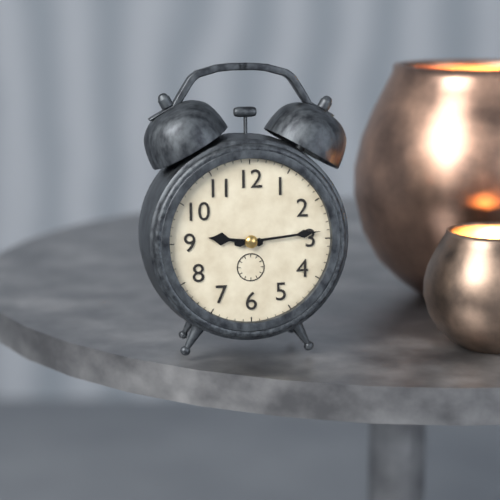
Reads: 9:14
